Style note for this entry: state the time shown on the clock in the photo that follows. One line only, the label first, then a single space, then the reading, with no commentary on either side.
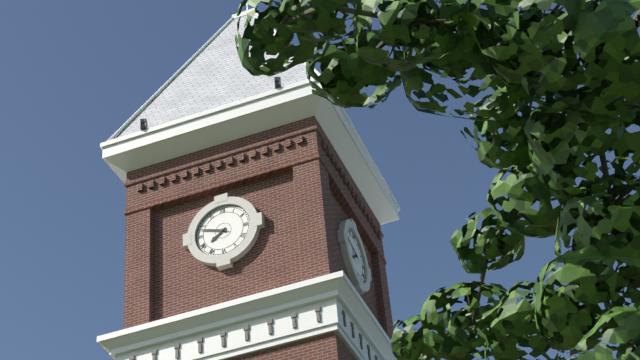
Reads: 7:48
